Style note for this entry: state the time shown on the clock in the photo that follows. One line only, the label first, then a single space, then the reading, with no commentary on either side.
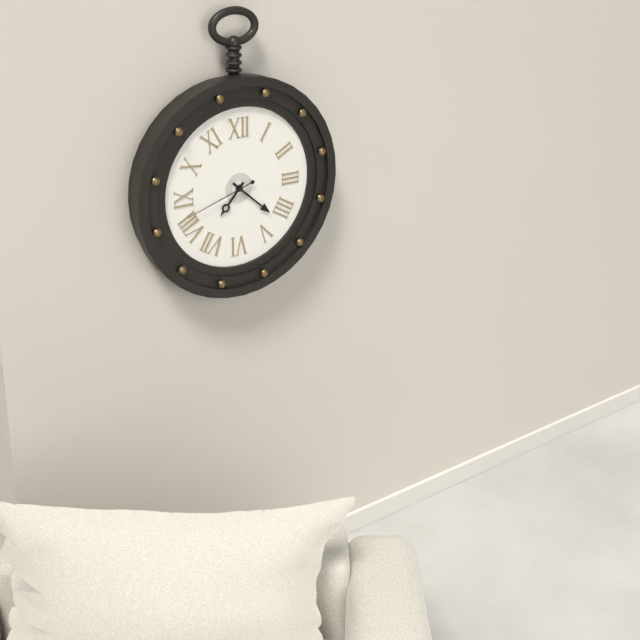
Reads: 7:22:42
